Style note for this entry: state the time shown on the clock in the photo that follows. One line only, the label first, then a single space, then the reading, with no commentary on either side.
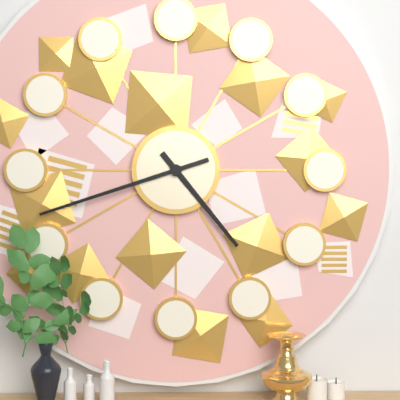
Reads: 4:42
